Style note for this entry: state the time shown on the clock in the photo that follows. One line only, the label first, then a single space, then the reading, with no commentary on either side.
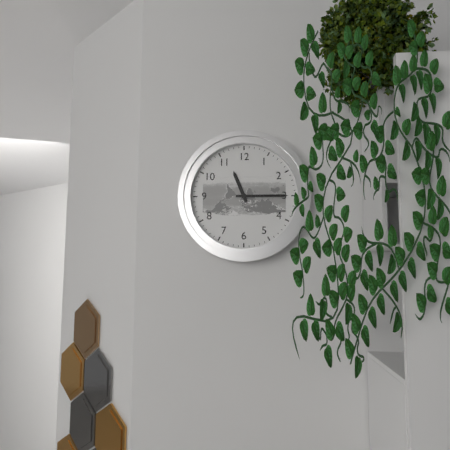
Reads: 11:15
